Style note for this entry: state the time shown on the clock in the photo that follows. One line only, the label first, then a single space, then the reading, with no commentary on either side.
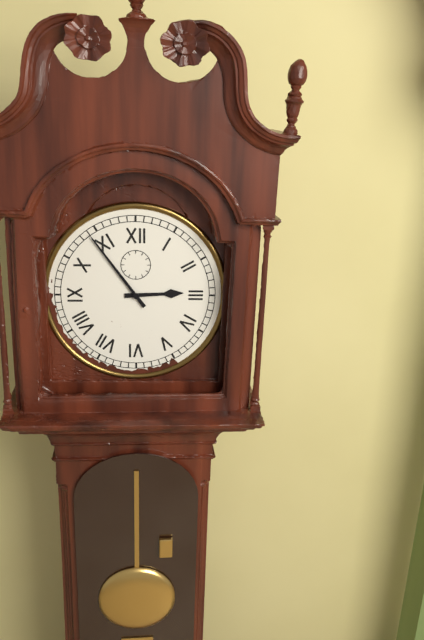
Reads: 2:54
